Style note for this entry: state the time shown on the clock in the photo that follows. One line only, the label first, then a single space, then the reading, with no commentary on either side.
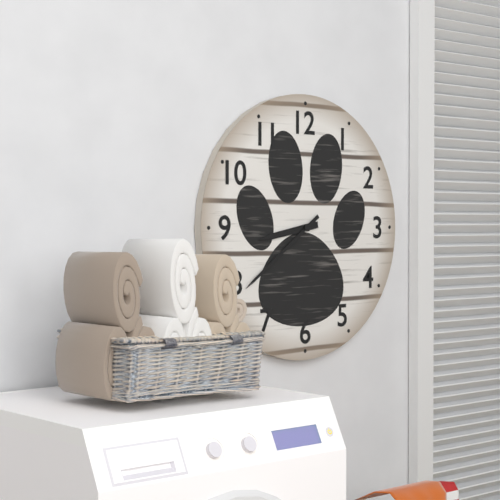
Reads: 8:39
